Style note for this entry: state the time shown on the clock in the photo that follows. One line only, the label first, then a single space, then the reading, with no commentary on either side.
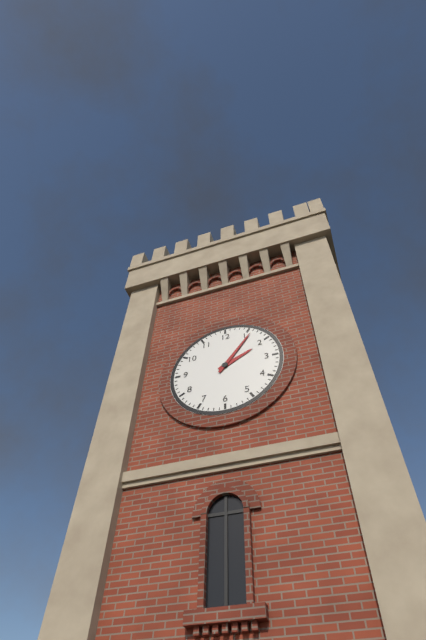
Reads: 2:06
